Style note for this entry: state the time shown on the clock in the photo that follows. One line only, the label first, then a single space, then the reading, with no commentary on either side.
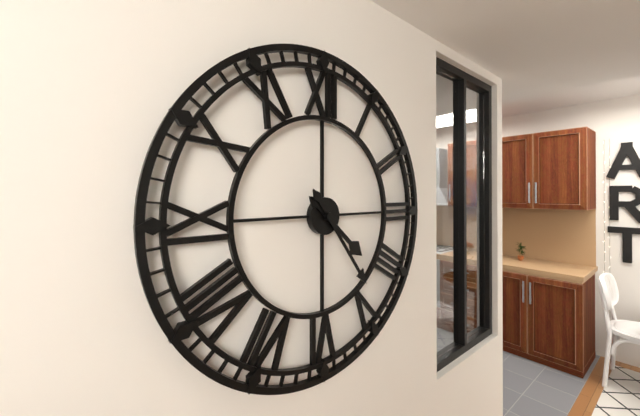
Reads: 4:24
